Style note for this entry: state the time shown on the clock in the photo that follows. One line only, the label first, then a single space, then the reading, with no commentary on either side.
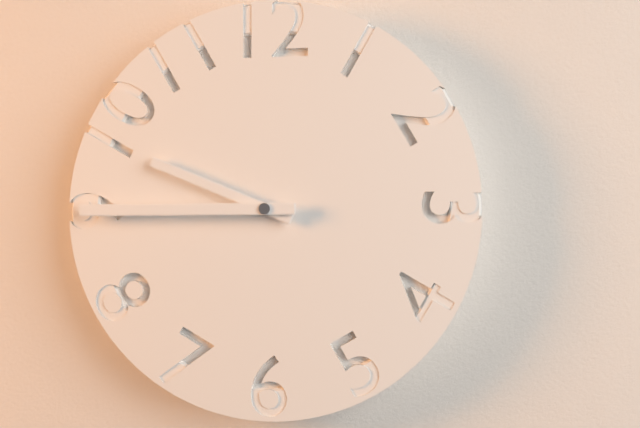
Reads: 9:45
